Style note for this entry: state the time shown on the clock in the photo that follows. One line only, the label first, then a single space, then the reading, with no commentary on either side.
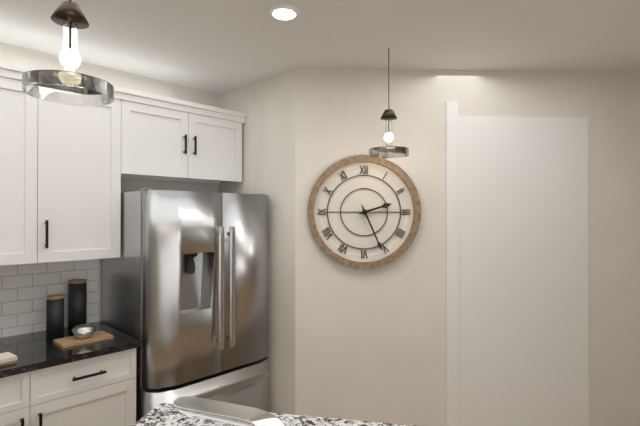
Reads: 2:26
